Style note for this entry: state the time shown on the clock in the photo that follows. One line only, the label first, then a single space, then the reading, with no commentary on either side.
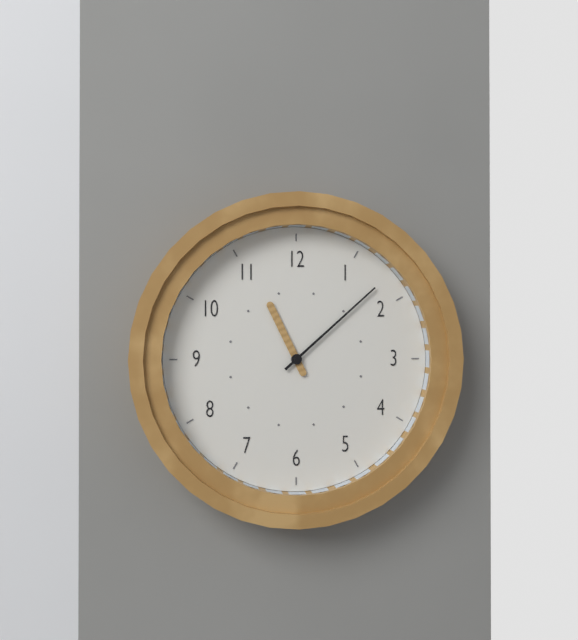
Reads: 11:08
